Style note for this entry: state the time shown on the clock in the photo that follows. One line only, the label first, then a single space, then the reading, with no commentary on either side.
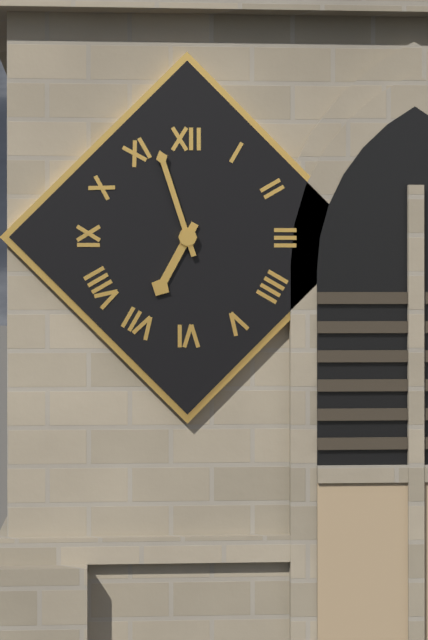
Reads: 6:57
